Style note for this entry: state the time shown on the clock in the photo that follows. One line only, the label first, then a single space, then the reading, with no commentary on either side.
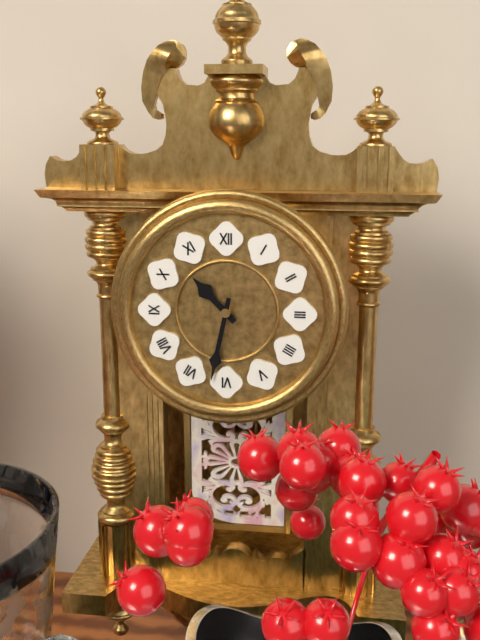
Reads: 10:32
